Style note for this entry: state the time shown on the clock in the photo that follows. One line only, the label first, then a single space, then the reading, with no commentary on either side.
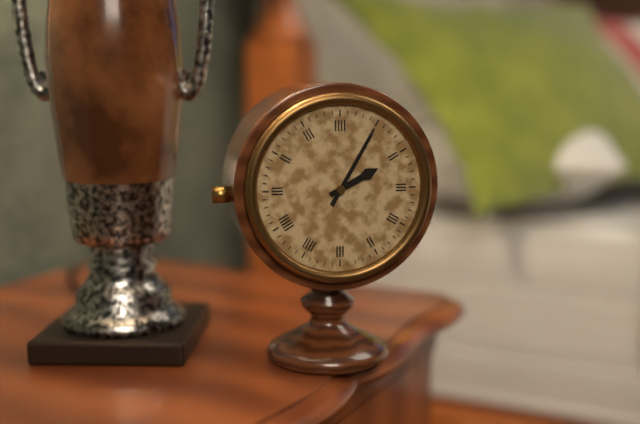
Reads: 2:05
